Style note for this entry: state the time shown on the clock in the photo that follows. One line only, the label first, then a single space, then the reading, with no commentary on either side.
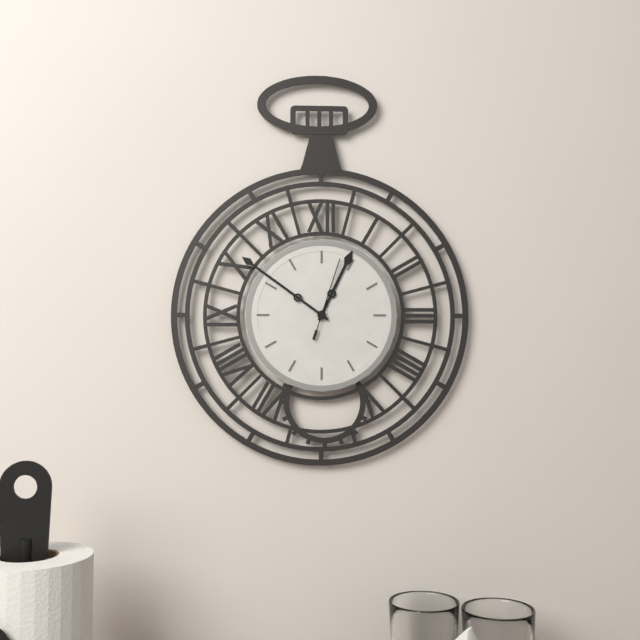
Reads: 12:51:03
